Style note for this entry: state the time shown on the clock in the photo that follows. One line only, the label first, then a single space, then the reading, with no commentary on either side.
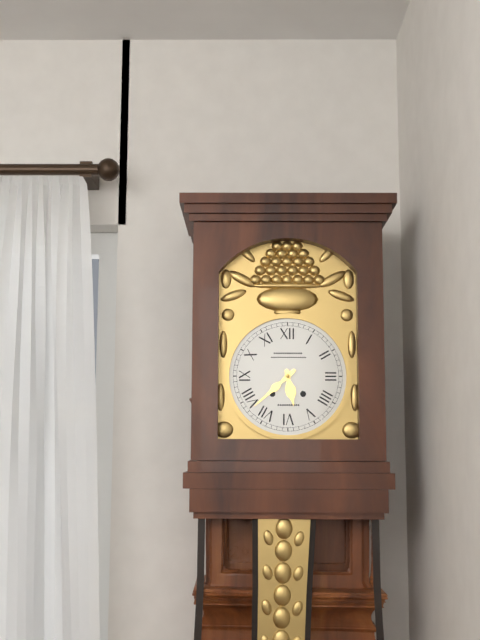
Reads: 5:38
